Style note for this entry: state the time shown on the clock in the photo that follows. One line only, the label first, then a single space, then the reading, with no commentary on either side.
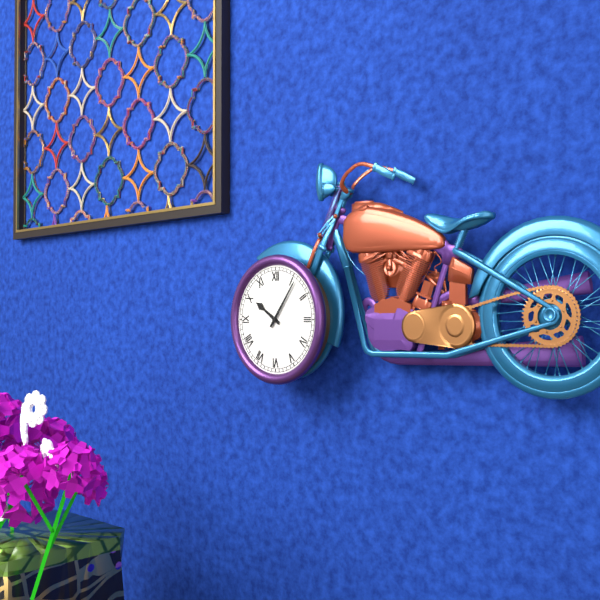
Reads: 10:06
